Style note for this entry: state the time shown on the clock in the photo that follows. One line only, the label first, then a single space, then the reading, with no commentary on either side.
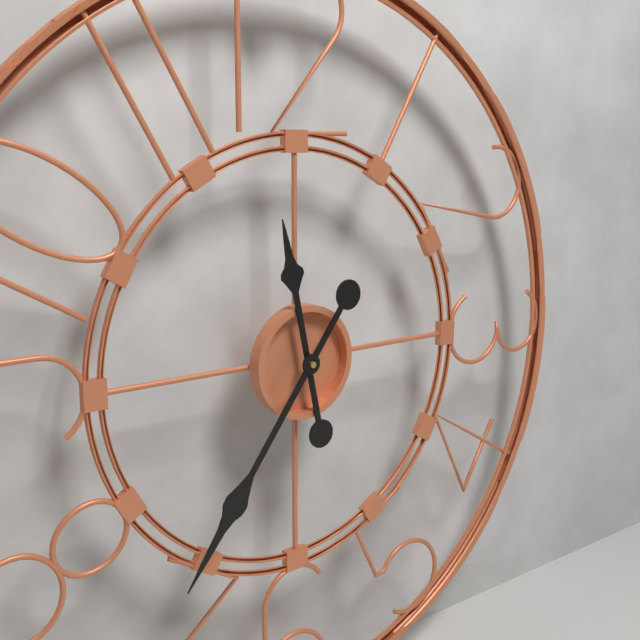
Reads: 11:36
